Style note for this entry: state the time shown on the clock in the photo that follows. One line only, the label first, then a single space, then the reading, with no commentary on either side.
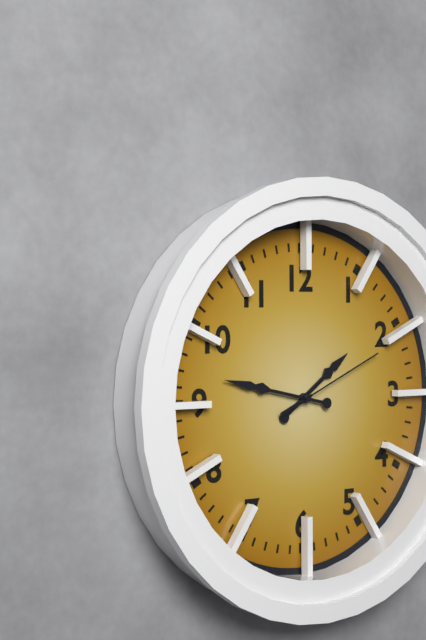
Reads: 1:47:11
